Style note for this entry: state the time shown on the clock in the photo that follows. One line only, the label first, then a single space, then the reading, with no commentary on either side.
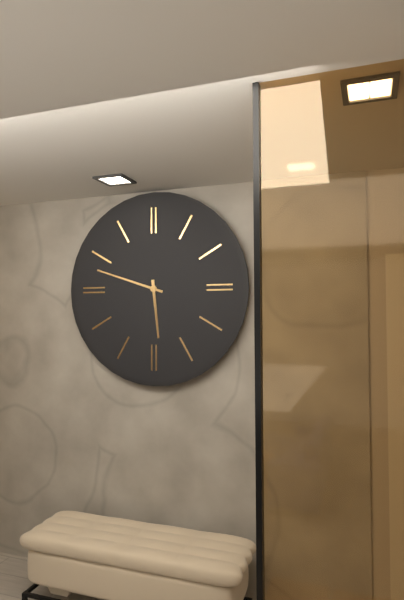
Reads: 5:48
